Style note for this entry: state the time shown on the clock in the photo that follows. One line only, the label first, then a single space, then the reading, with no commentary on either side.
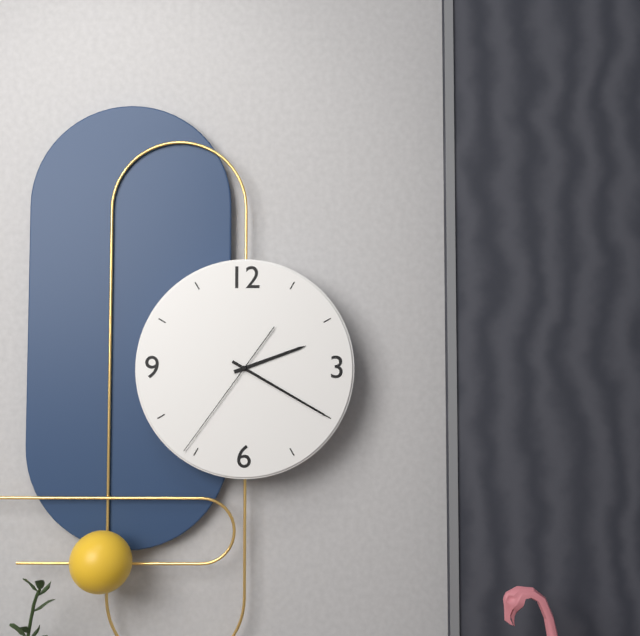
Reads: 2:20:36
